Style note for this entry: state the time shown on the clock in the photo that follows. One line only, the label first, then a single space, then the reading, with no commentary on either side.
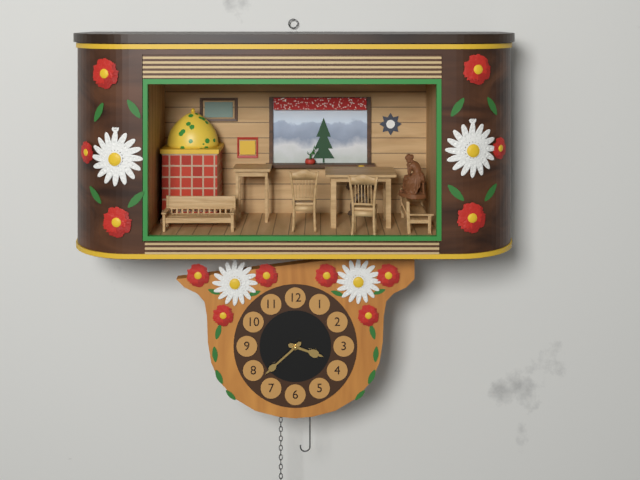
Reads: 3:38
